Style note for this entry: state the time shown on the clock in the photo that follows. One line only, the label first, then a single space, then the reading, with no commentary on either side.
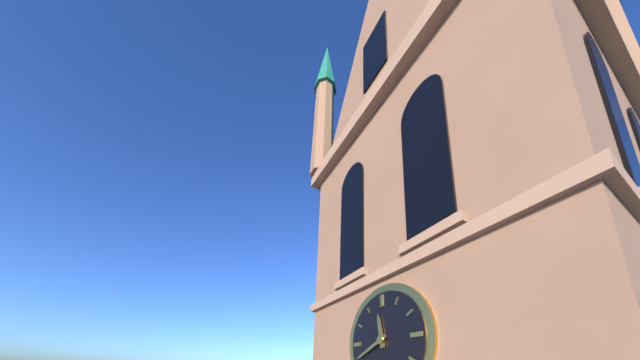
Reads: 11:41
